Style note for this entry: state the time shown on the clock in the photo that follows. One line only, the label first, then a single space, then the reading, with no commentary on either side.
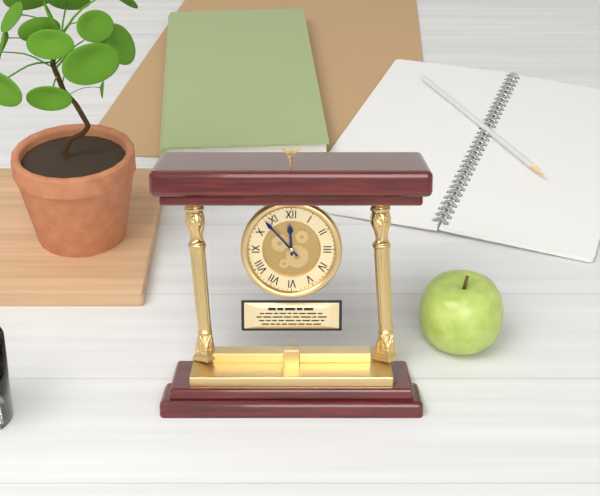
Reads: 11:53
